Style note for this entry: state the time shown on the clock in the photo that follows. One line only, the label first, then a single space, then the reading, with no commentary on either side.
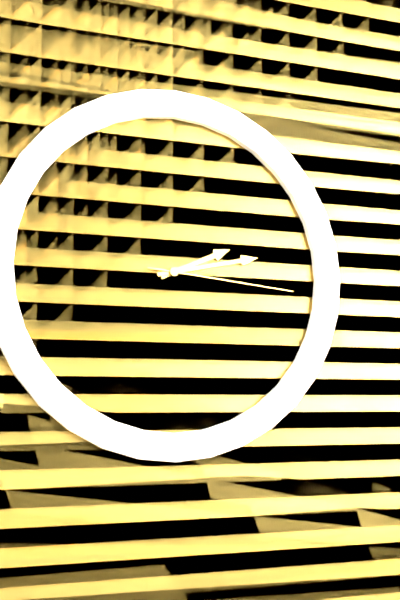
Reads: 2:13:16
